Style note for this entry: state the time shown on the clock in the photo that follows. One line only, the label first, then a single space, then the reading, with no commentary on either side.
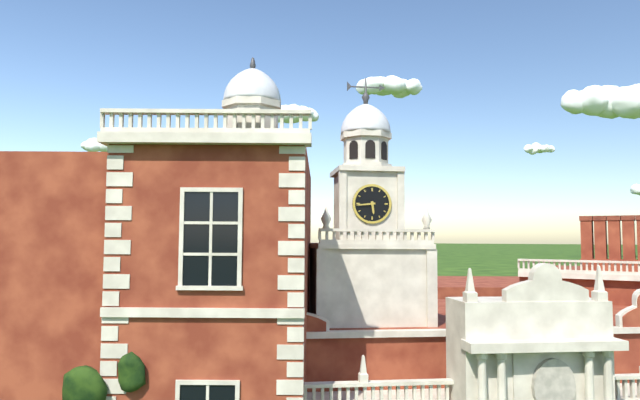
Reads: 5:44
